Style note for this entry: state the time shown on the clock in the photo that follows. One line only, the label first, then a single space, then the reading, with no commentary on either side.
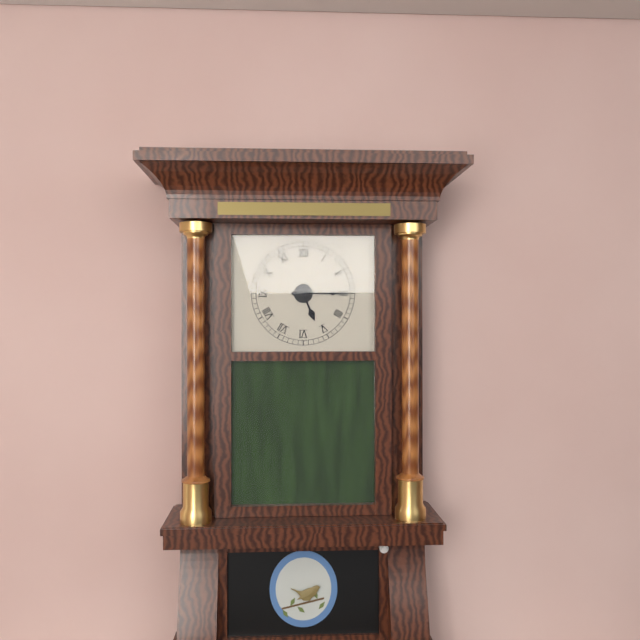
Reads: 5:15
